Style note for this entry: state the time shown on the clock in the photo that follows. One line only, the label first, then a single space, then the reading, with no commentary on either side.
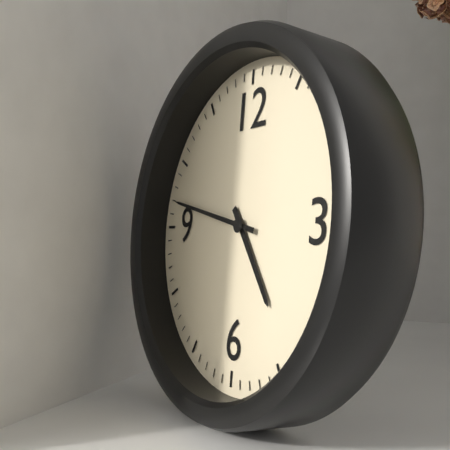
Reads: 4:47
